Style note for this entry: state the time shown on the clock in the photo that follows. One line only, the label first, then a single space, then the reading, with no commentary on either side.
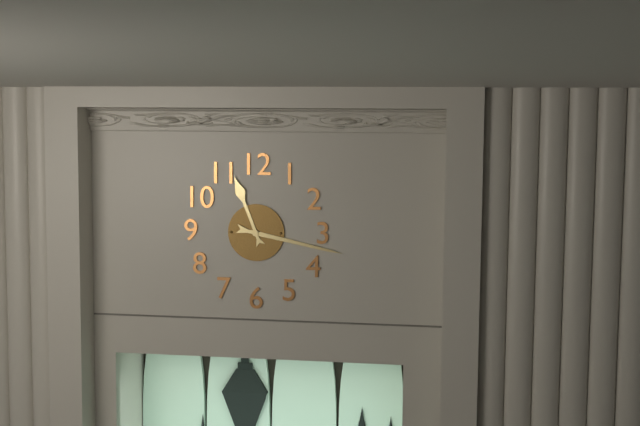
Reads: 11:17
